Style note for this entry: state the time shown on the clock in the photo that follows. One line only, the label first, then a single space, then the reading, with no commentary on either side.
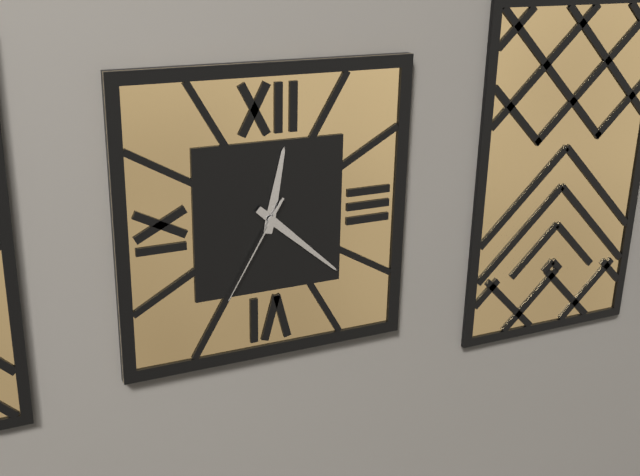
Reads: 12:22:35
